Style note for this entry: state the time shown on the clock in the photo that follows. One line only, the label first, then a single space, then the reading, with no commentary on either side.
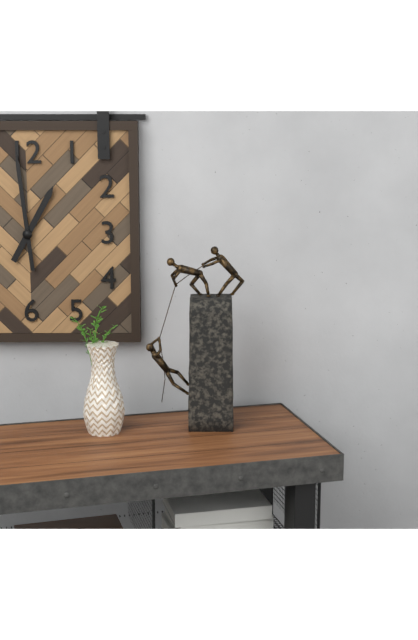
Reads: 12:59
